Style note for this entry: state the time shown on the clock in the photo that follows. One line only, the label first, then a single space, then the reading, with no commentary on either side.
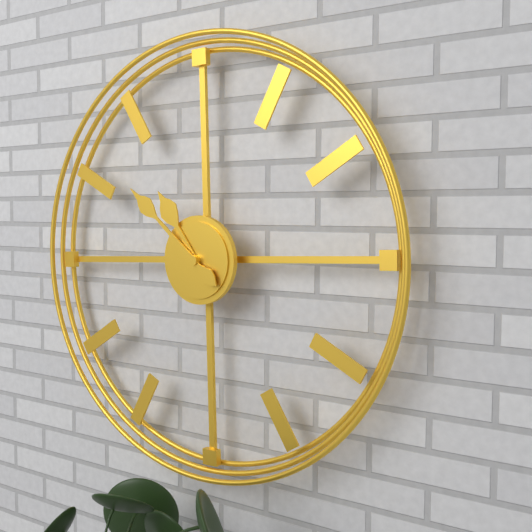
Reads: 10:52
